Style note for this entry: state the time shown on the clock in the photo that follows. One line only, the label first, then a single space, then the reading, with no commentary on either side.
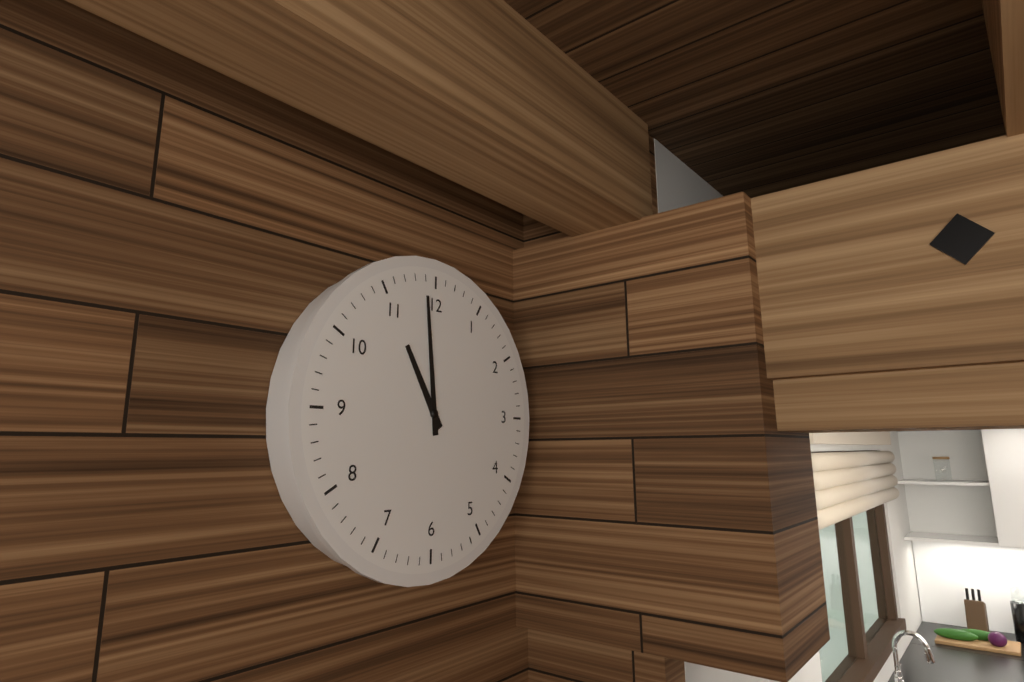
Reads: 10:59
